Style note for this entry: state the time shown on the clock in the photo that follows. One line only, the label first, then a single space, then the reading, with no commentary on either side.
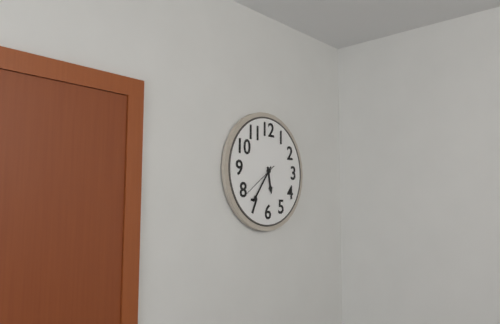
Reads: 5:36
